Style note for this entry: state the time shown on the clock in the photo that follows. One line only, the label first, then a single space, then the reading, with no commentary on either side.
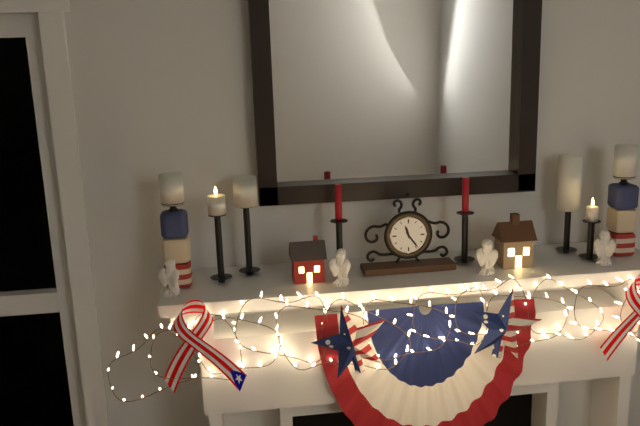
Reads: 11:24
